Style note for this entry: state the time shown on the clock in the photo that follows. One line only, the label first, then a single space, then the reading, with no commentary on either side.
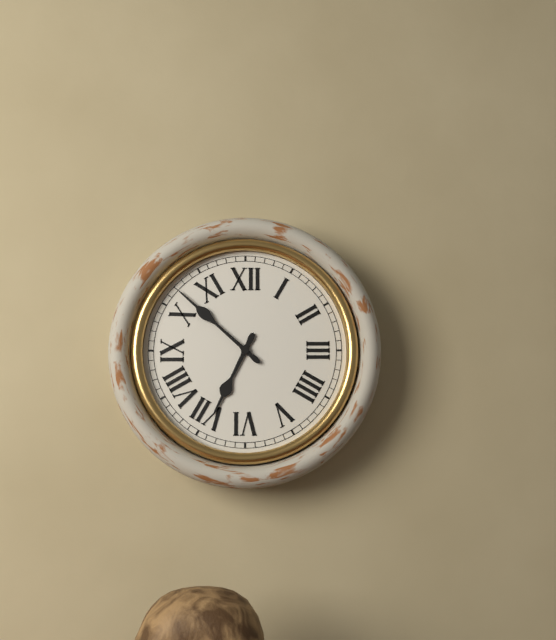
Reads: 6:52
